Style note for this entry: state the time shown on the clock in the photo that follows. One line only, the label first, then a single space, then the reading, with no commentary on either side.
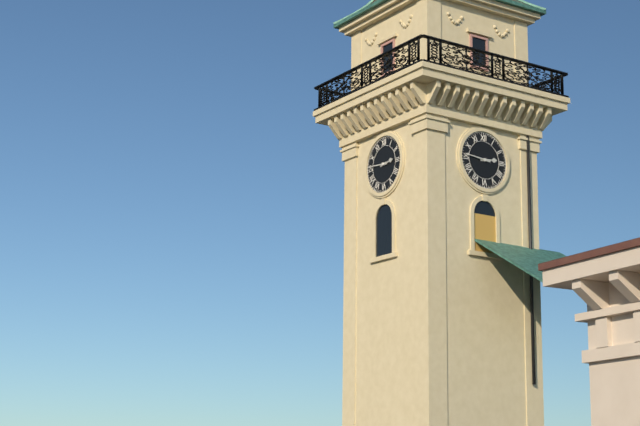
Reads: 2:46
